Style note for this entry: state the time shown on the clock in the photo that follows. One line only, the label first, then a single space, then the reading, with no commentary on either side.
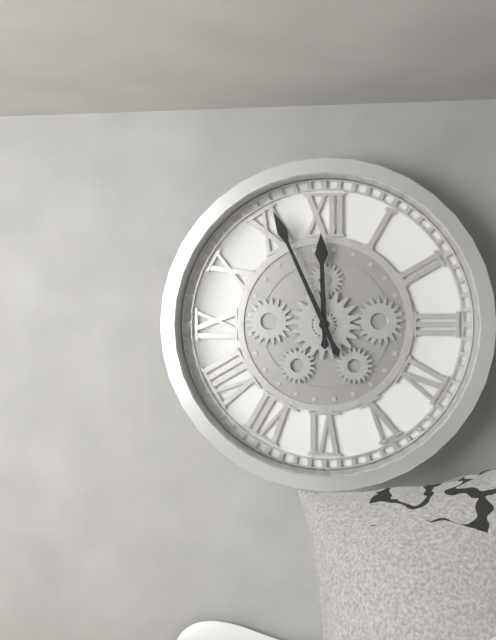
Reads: 11:56
